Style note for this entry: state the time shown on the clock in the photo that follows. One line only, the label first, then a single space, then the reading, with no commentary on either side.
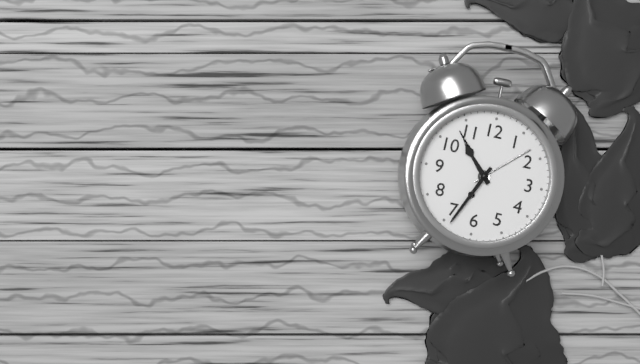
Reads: 10:34
